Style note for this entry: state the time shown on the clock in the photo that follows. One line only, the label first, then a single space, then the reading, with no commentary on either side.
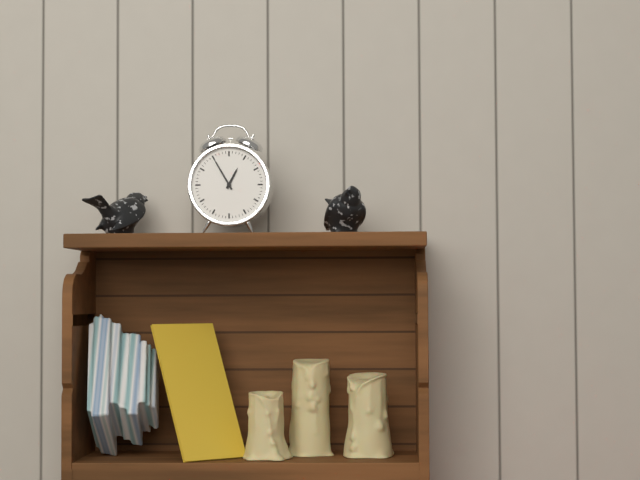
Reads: 12:55
